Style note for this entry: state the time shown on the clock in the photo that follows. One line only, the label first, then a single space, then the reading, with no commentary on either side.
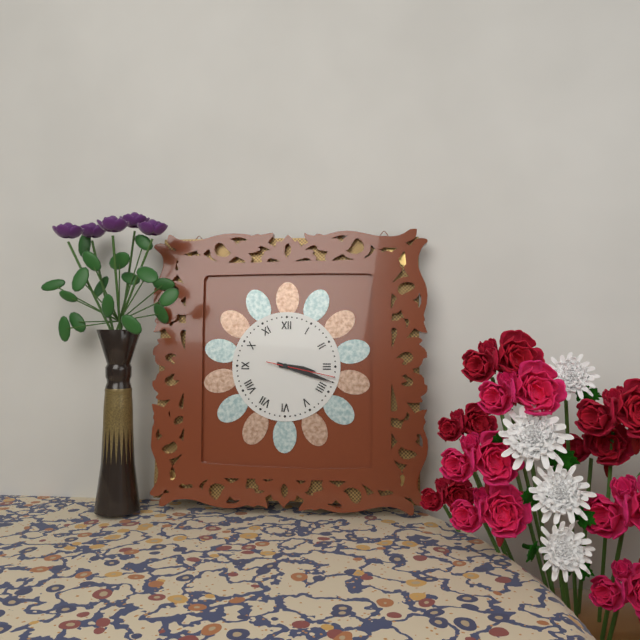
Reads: 3:18:17
